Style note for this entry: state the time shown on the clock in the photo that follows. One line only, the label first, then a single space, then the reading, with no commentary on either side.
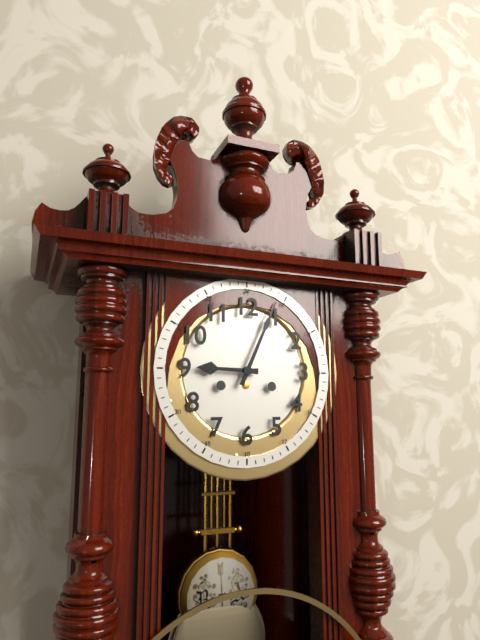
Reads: 9:04
